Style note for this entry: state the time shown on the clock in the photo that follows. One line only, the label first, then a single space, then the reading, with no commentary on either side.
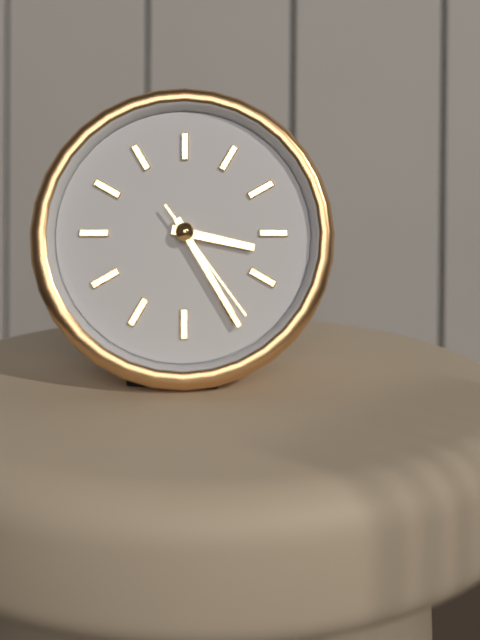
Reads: 3:25:24
